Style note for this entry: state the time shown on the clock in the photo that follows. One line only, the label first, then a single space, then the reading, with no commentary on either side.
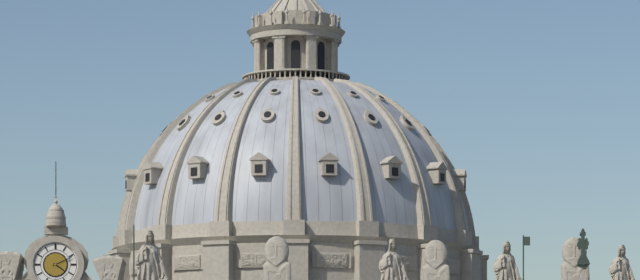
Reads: 4:11
